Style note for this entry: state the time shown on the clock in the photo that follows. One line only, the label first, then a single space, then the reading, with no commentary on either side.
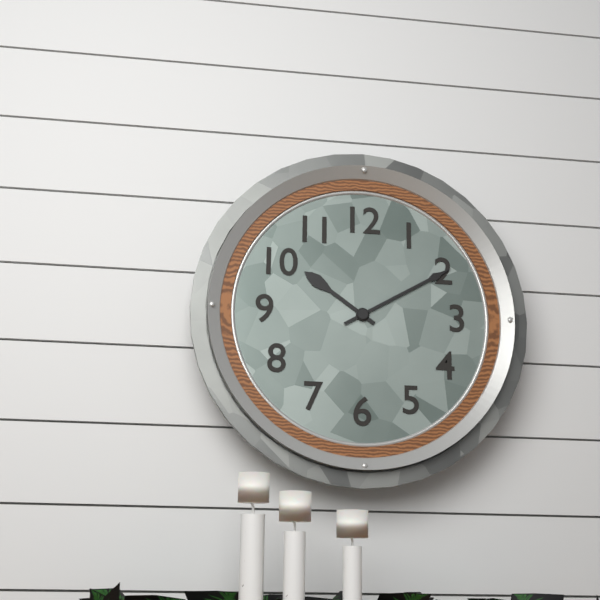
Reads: 10:10
